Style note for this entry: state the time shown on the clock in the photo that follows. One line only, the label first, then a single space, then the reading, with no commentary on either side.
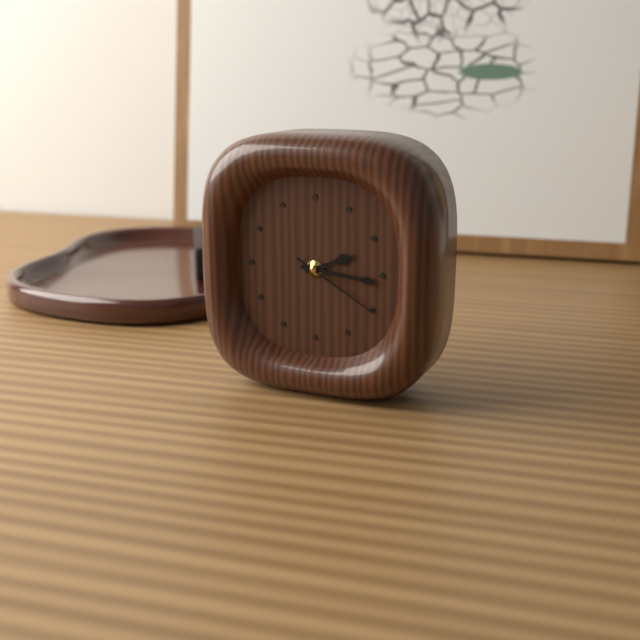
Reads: 2:16:20
